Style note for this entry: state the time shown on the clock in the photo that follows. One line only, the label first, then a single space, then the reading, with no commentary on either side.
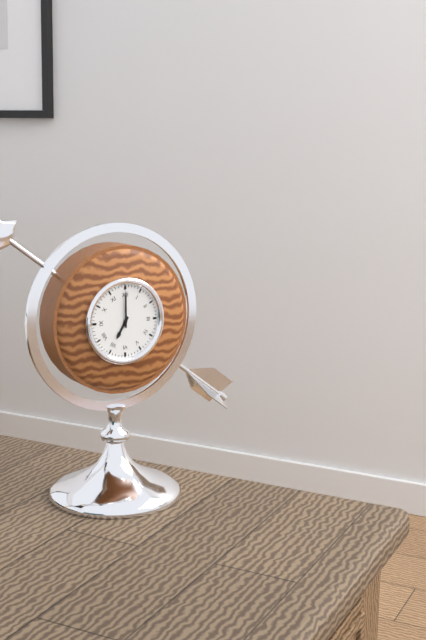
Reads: 7:00
